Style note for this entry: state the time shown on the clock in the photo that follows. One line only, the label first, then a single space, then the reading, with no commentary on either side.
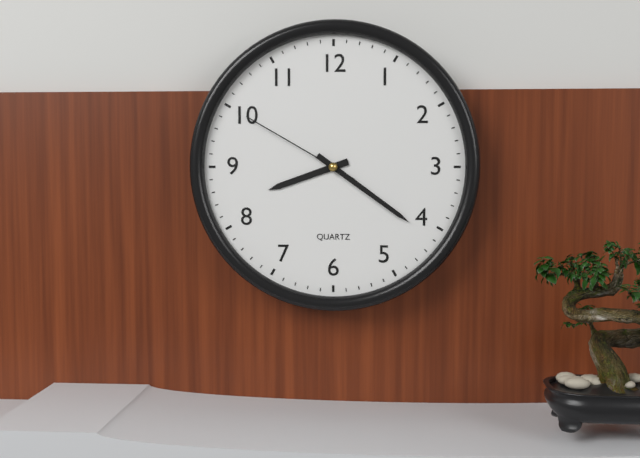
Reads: 8:21:50
